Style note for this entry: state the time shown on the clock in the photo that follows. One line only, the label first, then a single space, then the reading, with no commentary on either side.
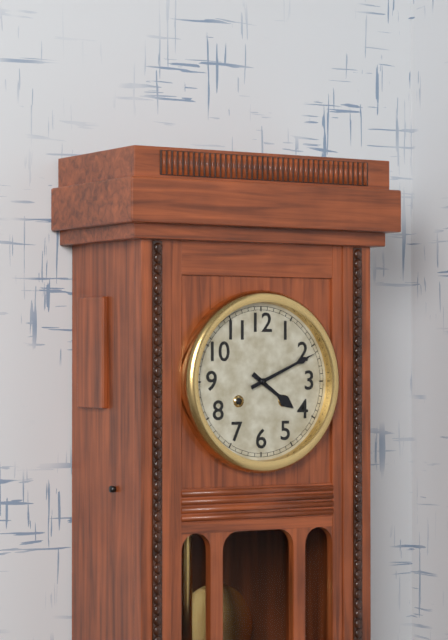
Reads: 4:11
